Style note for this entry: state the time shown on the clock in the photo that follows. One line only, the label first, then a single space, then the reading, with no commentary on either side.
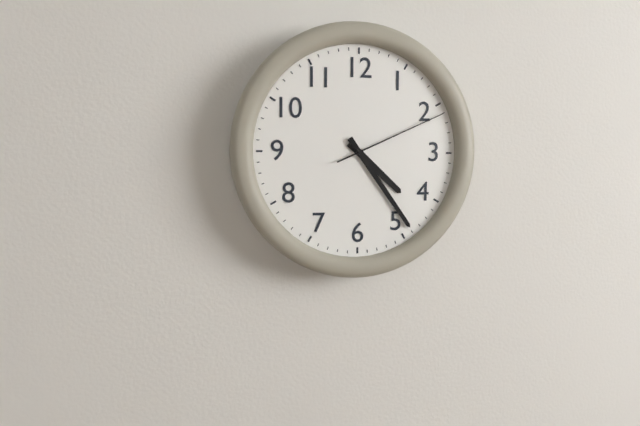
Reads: 4:24:11
